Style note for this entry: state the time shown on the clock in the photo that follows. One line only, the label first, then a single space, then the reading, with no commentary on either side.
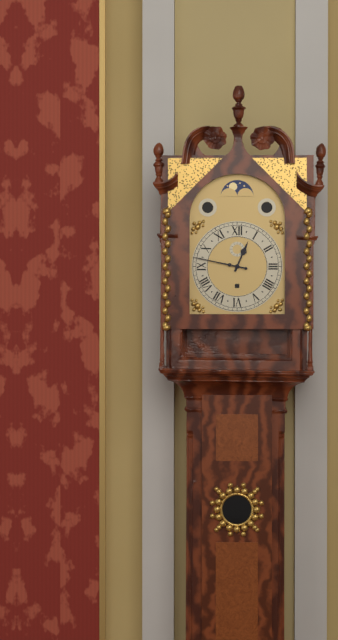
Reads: 12:47
